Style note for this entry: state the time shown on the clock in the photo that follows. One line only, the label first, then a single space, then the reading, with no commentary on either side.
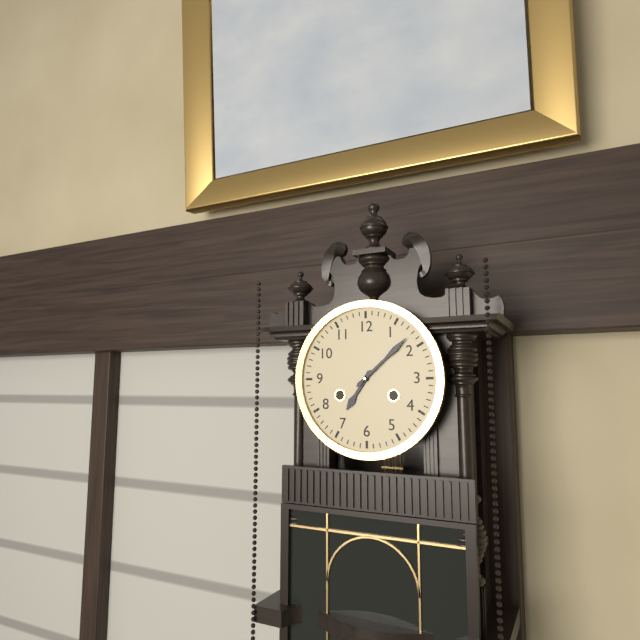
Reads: 7:08
